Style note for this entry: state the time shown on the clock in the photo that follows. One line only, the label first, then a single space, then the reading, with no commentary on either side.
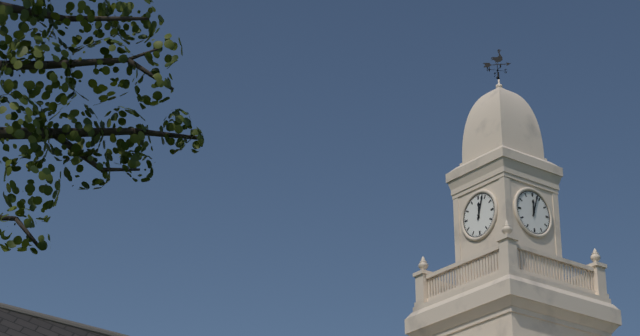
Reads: 12:03
